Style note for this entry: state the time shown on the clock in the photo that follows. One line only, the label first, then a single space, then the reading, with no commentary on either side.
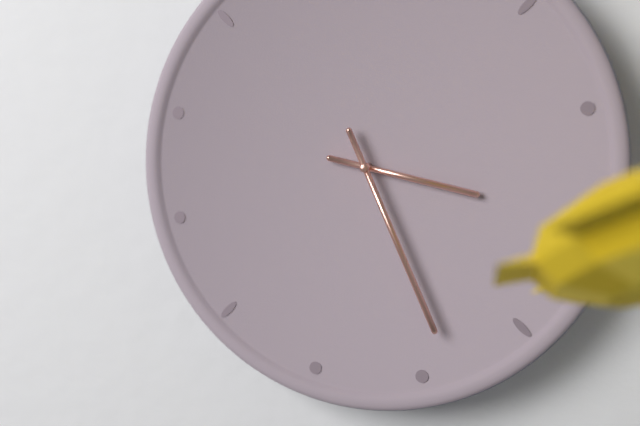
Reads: 3:26
